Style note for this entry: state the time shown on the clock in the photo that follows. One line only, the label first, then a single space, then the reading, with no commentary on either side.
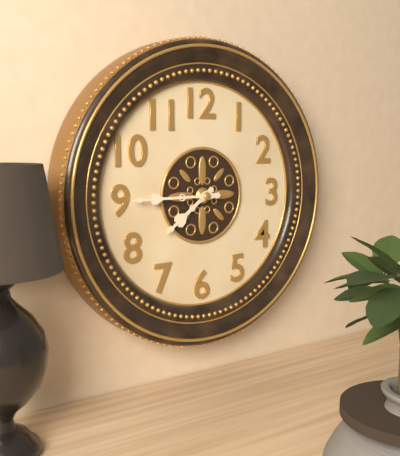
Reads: 7:45
